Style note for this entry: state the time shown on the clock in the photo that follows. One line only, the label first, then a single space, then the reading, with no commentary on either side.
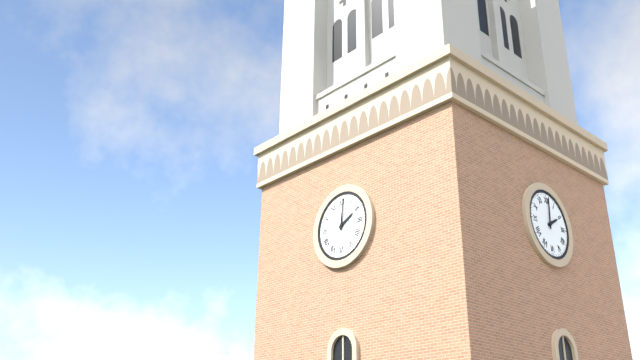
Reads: 2:01
